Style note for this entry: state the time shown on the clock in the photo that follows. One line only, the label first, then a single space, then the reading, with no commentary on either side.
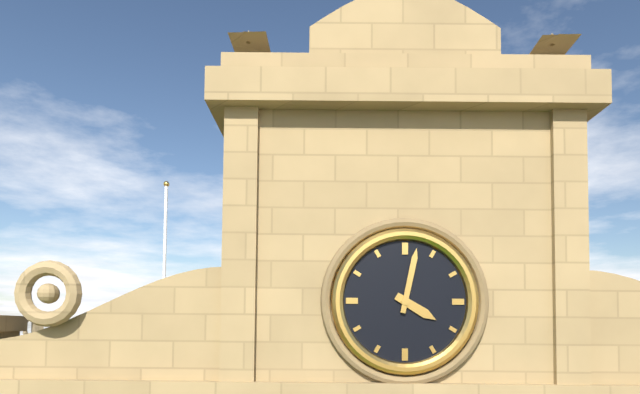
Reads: 4:02
